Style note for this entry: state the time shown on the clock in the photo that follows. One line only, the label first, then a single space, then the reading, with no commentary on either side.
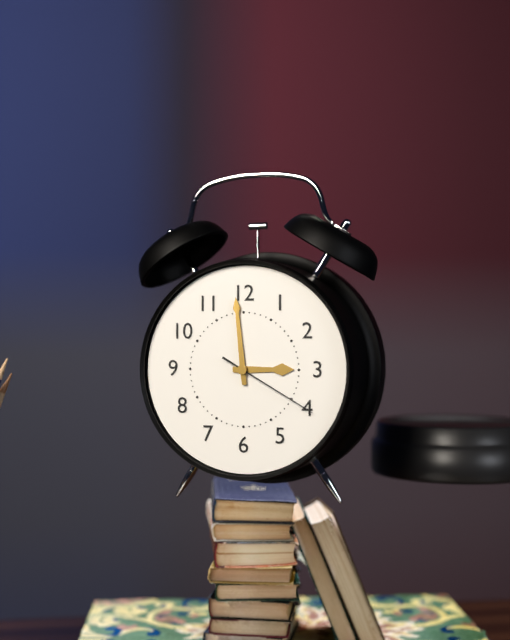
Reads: 2:59:20
